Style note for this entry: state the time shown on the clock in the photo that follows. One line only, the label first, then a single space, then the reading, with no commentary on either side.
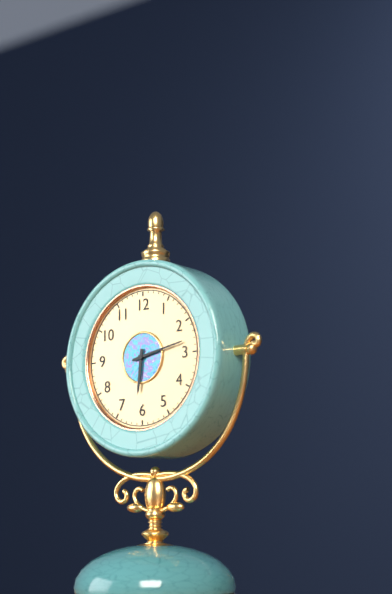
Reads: 6:13
